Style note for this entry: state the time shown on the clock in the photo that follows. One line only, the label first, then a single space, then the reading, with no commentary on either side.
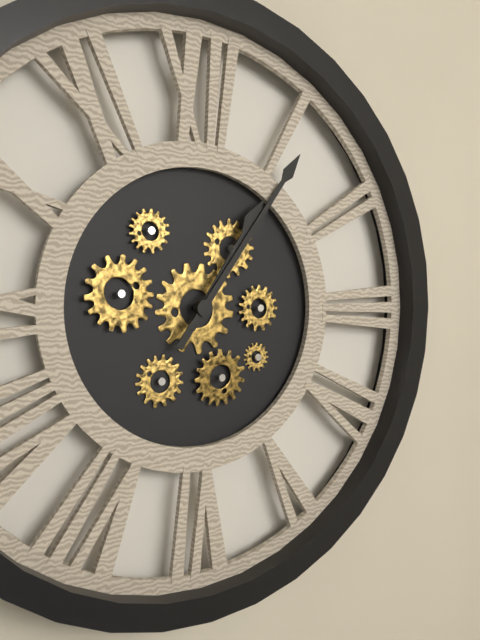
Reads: 1:06
